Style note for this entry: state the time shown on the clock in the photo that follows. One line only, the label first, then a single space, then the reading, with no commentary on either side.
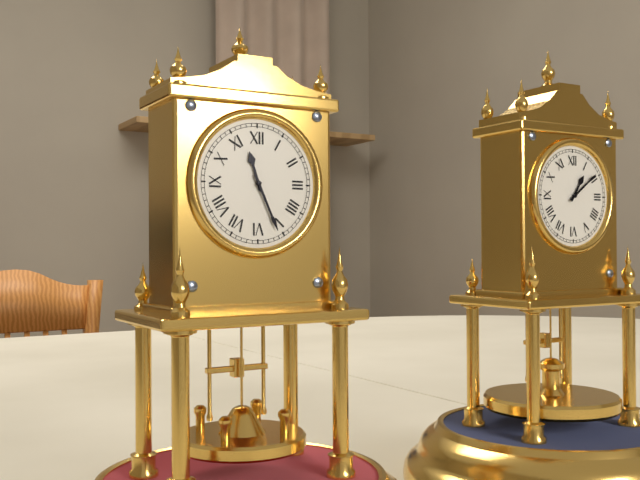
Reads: 11:26
